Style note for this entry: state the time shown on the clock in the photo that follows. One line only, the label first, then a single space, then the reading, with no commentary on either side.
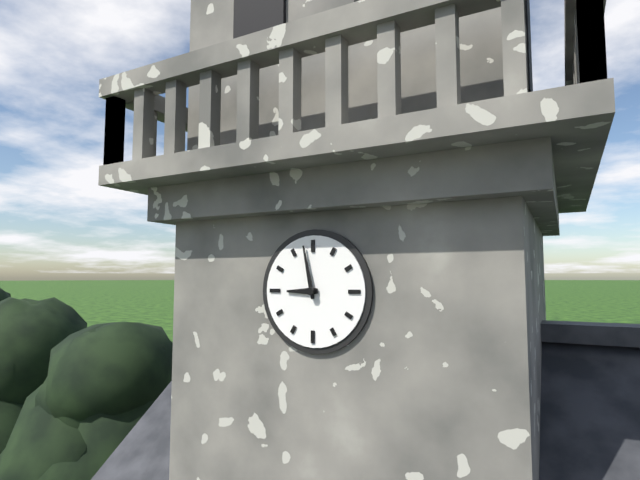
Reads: 8:58
